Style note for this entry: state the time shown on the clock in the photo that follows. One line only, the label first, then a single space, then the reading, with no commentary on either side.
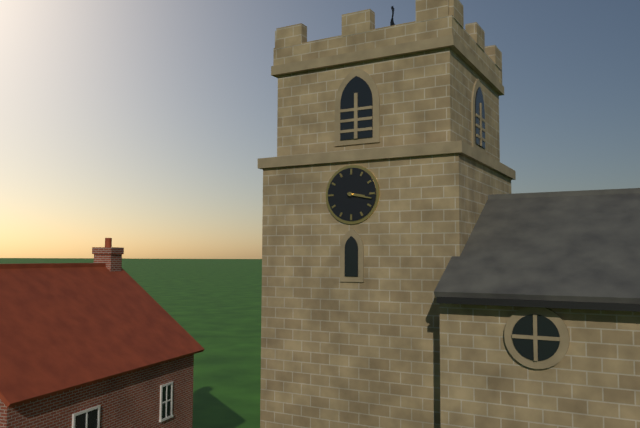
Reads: 3:17
